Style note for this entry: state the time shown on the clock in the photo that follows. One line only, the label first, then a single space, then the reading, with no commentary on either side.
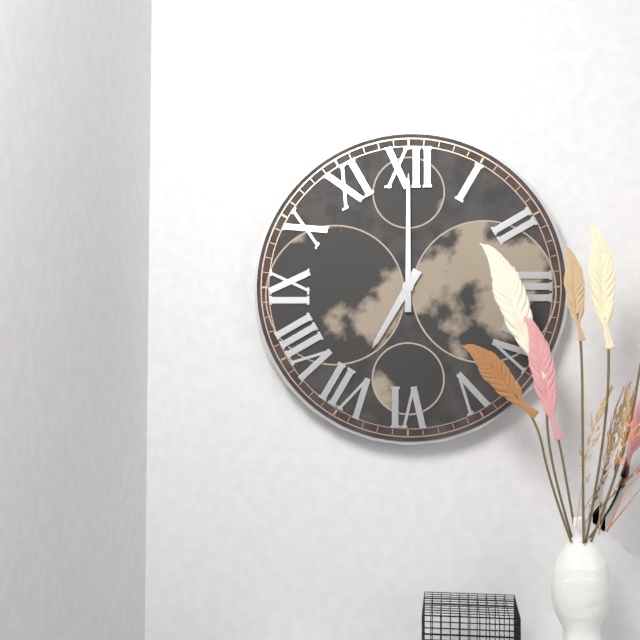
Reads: 7:00
